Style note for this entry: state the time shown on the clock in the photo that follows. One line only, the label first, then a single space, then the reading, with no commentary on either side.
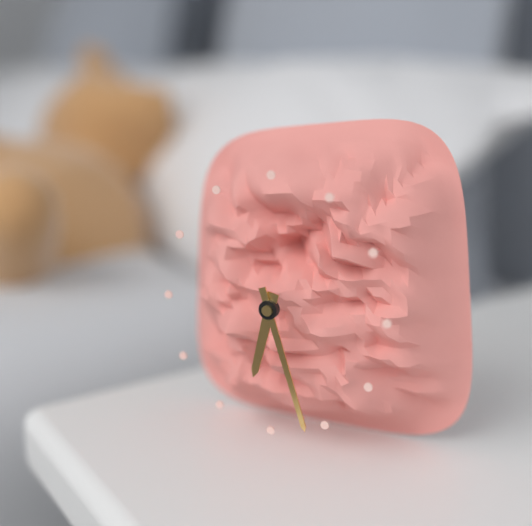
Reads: 6:27
